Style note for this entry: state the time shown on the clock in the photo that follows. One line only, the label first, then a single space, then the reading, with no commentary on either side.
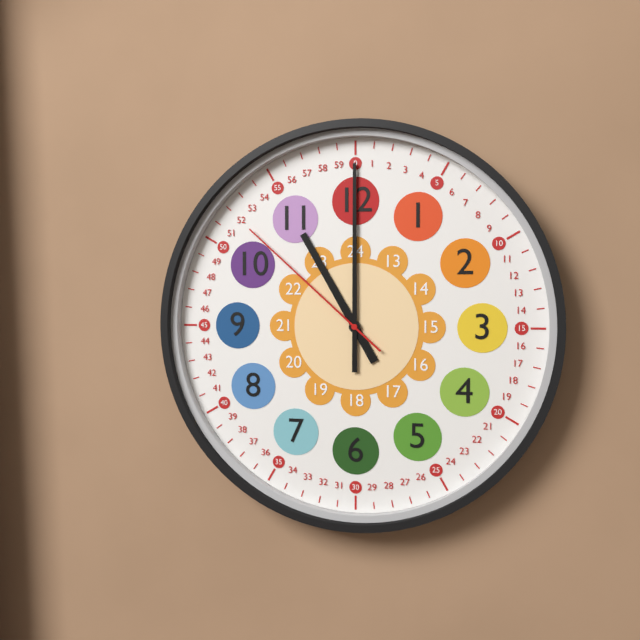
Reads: 11:00:52
